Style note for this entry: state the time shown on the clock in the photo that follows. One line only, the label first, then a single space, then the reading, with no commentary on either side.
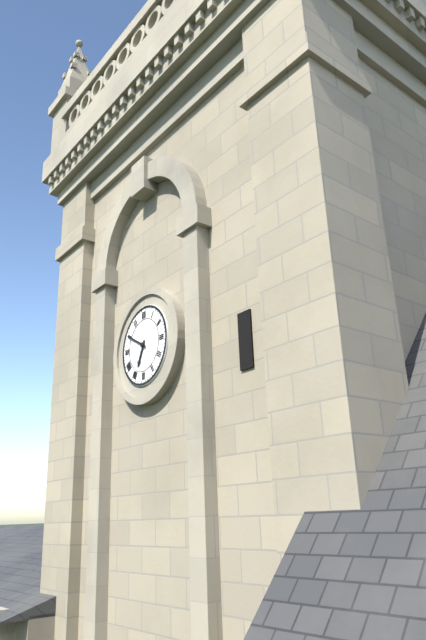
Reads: 6:50
